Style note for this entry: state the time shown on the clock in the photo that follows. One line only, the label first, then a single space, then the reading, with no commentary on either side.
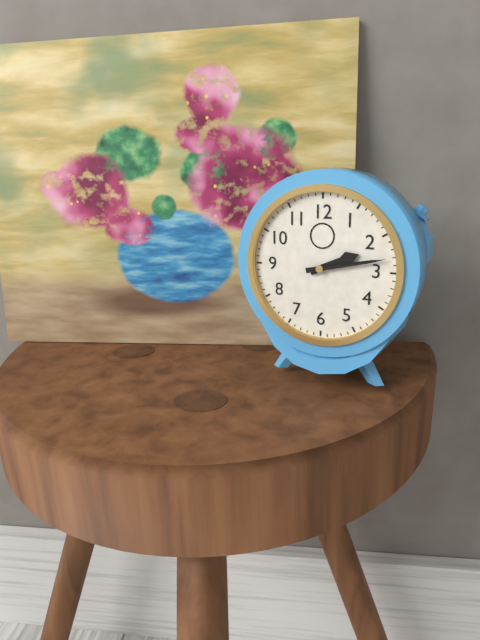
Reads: 2:13
